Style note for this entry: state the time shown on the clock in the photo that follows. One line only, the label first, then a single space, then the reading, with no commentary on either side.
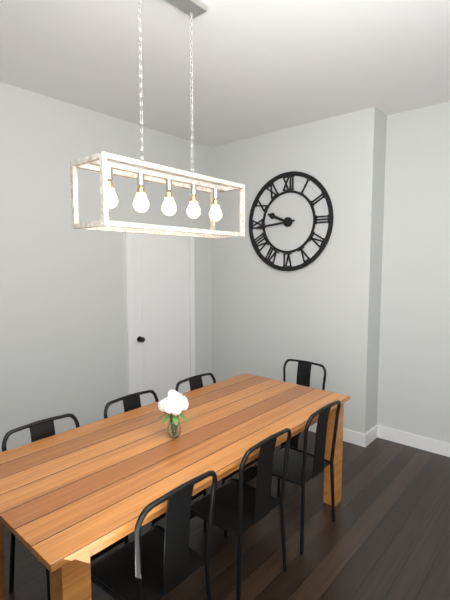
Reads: 9:44
